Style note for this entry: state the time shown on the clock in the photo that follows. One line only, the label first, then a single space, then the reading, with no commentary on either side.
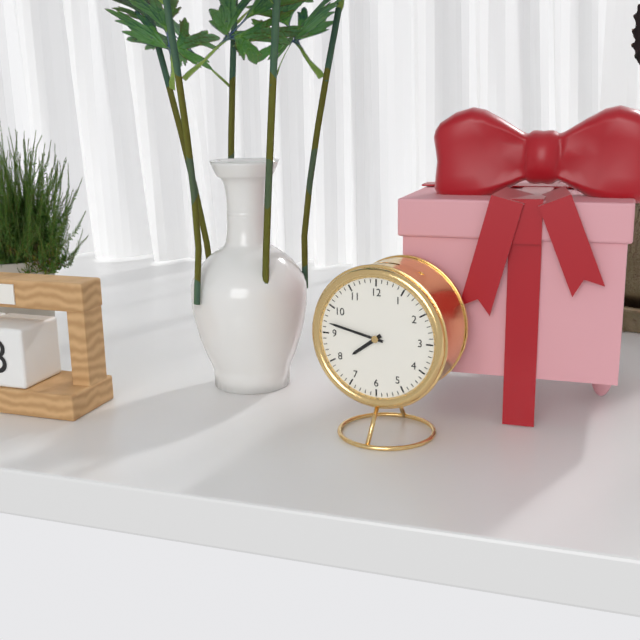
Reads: 7:47
